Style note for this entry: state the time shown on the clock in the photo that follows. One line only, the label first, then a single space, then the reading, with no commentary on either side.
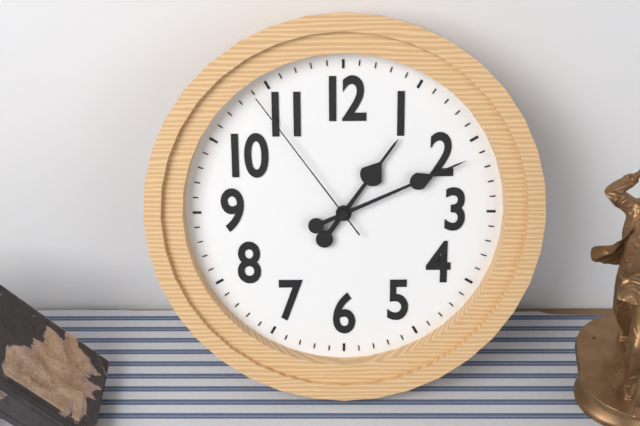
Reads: 1:11:54
